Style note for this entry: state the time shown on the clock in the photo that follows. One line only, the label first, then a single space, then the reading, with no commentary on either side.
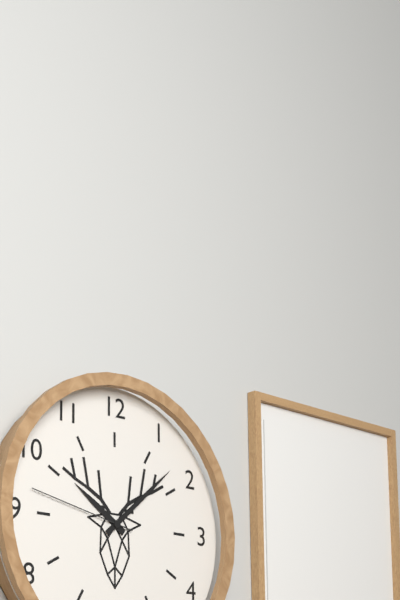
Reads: 10:08:47
